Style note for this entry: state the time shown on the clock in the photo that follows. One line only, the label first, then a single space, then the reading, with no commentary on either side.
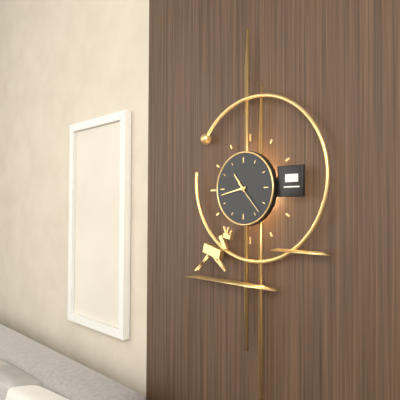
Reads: 10:43
